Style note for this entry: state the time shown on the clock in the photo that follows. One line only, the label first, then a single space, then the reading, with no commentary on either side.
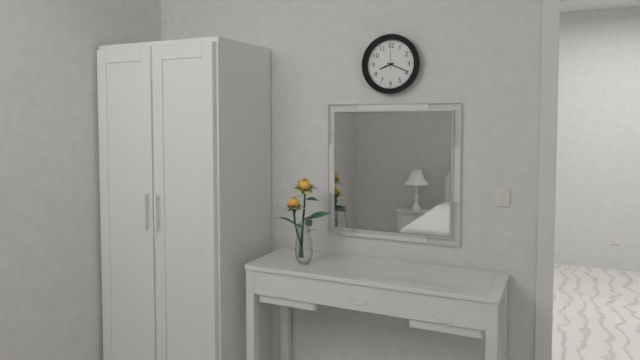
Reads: 8:19
